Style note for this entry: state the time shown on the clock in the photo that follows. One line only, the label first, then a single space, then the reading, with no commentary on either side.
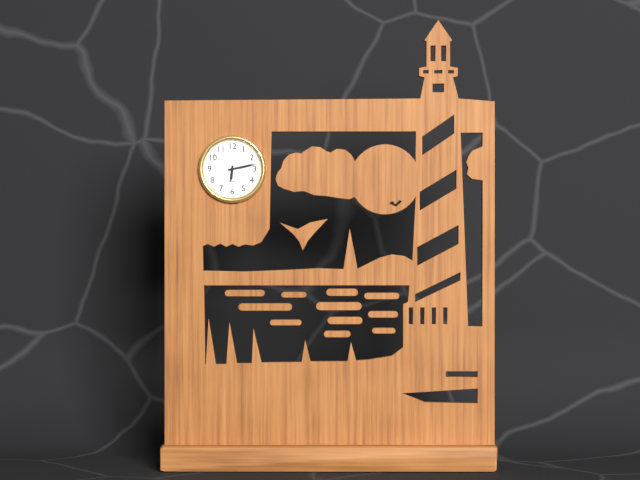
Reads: 6:13
